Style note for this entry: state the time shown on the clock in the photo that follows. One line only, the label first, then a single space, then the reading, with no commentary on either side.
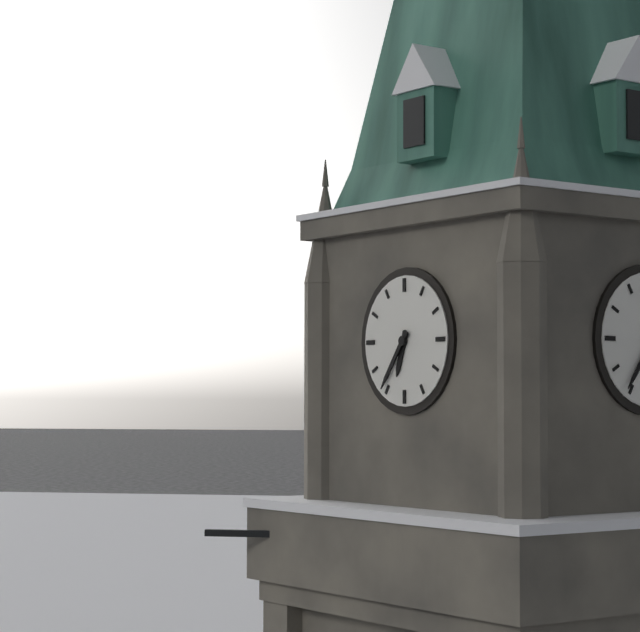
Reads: 6:36
